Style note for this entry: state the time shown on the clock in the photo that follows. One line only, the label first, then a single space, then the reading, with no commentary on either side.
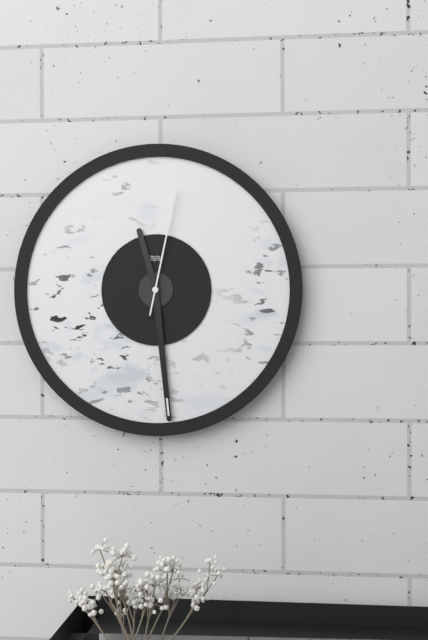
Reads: 11:29:02
